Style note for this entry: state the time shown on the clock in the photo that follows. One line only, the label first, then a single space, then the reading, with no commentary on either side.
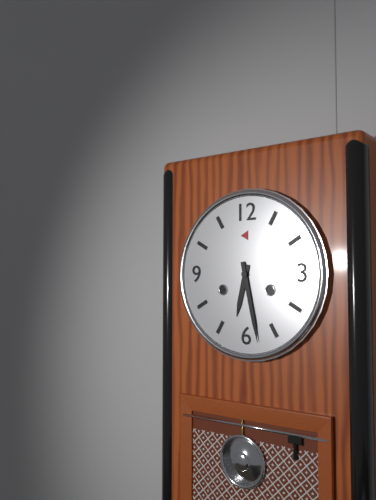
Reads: 6:28
